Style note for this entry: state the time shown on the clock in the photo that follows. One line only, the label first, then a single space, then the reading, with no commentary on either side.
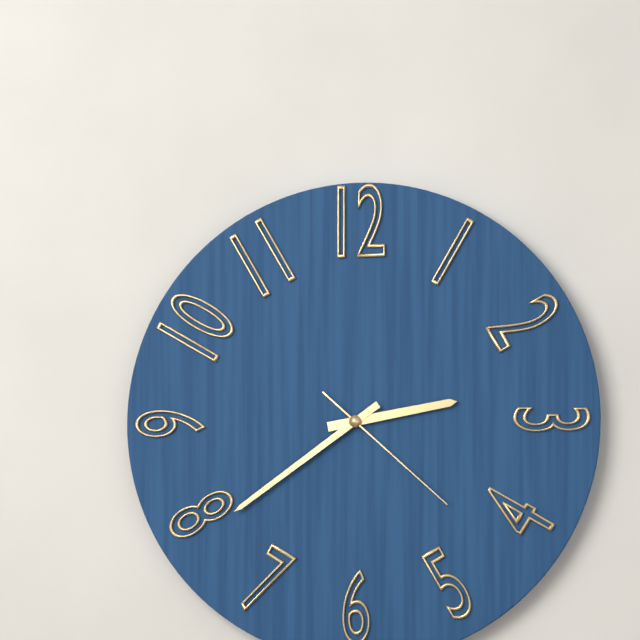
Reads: 2:39:22
